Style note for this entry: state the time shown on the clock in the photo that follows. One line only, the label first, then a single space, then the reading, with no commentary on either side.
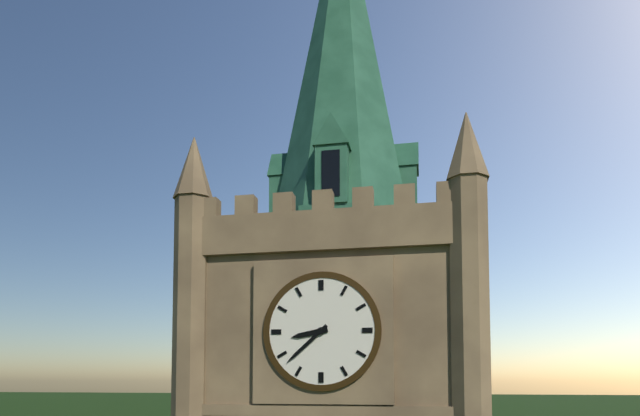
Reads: 8:38
